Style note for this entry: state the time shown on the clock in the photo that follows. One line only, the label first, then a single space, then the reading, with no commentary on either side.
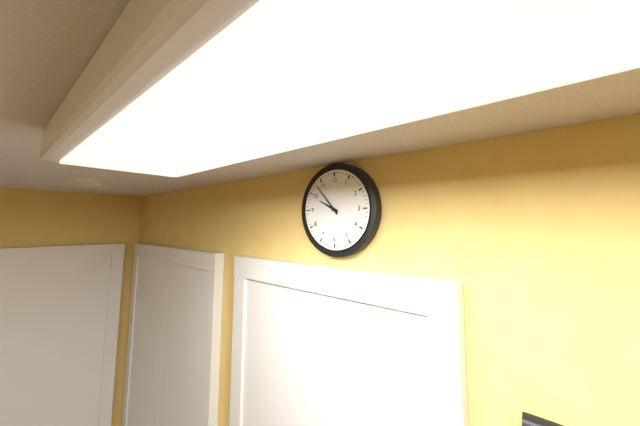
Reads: 9:53
